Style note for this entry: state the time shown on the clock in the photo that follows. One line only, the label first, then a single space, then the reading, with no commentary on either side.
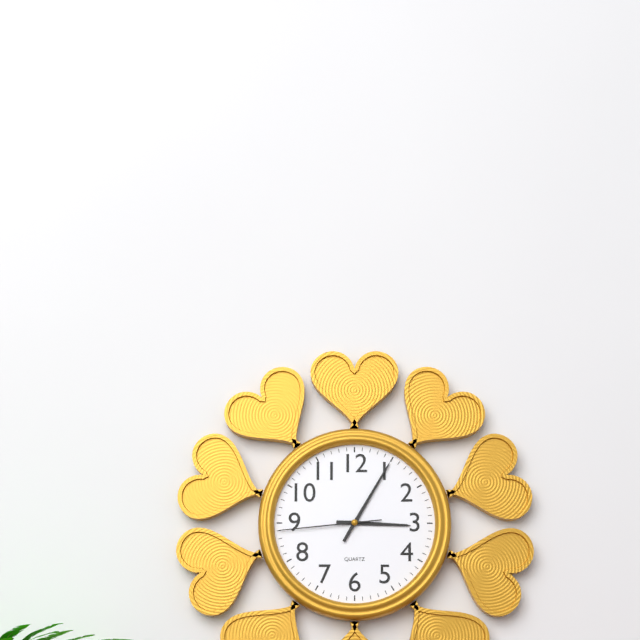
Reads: 3:05:44
